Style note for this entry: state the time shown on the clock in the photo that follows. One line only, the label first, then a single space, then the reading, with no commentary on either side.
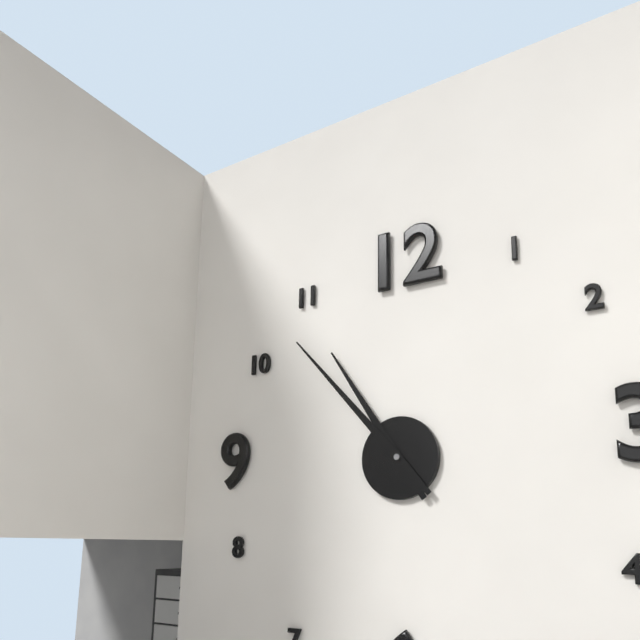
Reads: 10:53
